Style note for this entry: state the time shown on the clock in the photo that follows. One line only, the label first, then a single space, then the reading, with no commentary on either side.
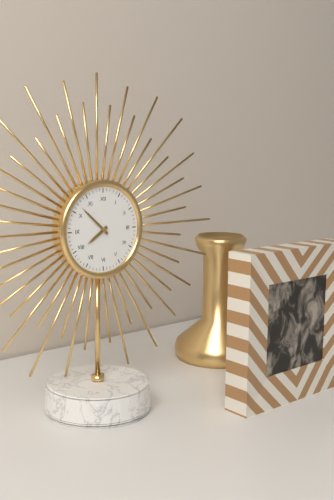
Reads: 7:52
